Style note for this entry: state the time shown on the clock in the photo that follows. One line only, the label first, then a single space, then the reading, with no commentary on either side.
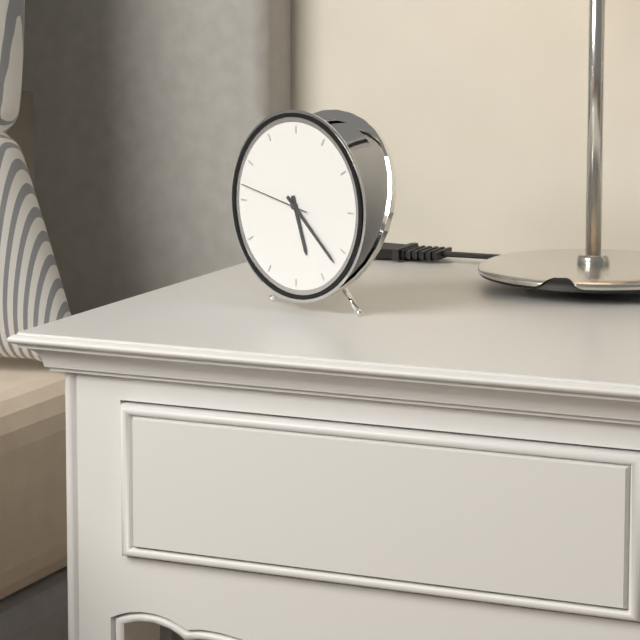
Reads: 5:22:47
